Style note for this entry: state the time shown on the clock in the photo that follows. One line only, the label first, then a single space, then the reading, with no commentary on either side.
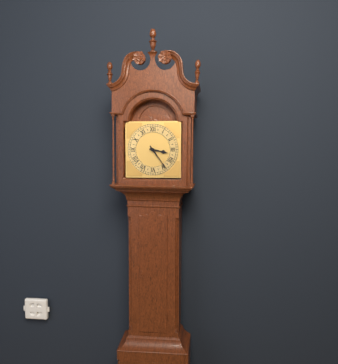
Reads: 3:24
